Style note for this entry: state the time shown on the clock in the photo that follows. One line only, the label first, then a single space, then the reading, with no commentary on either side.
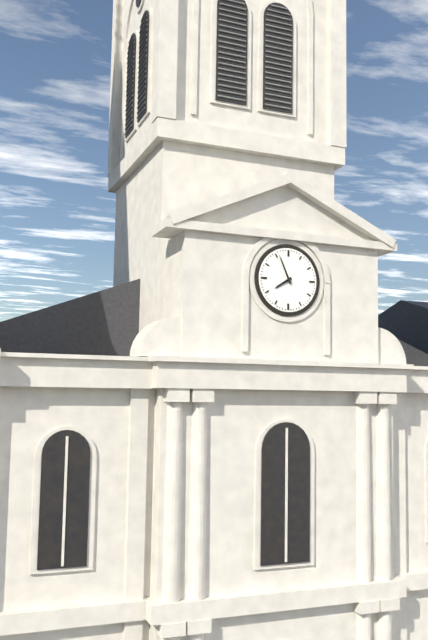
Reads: 7:56
